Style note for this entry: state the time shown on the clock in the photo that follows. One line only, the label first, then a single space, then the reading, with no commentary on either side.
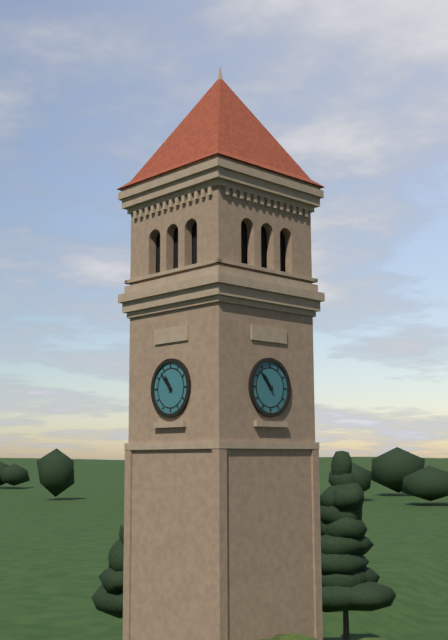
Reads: 10:53
